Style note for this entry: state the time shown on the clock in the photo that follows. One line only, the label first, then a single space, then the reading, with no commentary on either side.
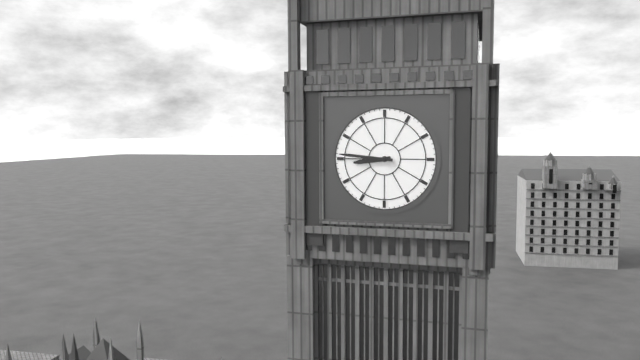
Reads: 8:46
